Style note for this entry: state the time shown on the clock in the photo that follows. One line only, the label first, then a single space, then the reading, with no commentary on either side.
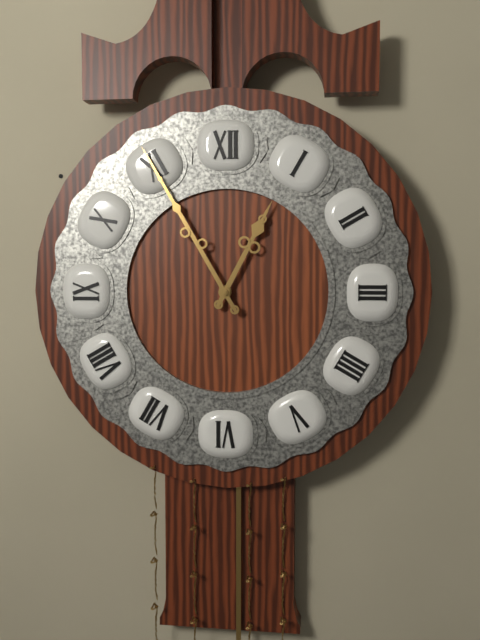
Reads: 12:55
